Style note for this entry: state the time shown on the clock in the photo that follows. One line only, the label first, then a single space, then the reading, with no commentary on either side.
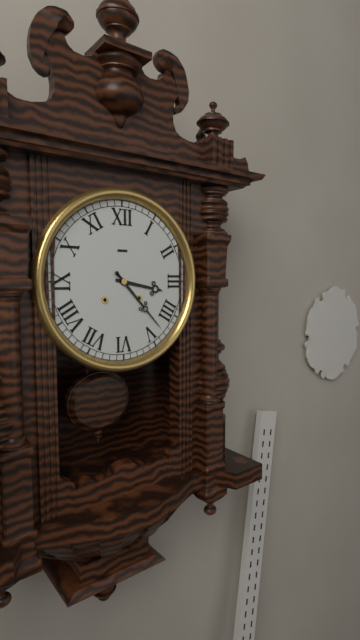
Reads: 3:23
